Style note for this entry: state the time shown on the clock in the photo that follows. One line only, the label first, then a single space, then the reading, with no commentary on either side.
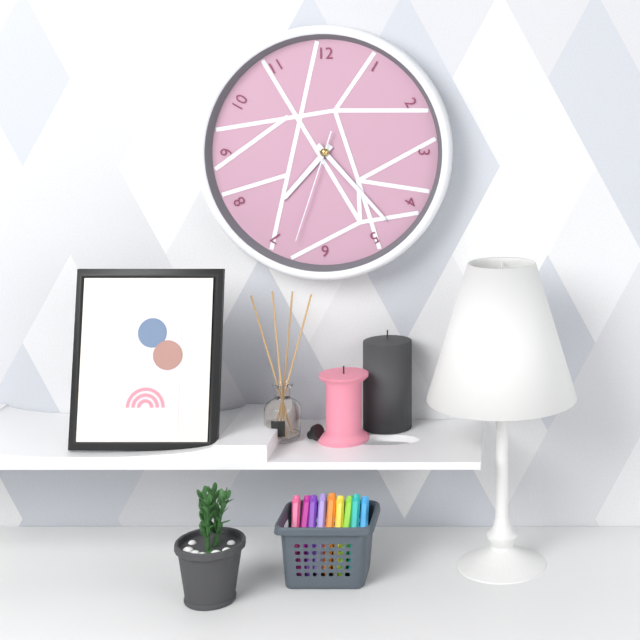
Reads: 7:23:33
